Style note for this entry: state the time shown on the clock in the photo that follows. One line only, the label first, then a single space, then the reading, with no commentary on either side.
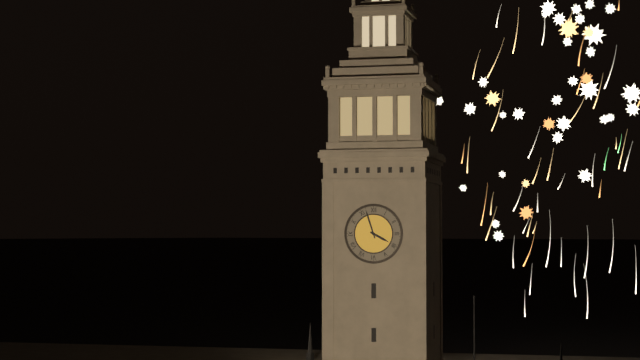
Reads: 3:57
